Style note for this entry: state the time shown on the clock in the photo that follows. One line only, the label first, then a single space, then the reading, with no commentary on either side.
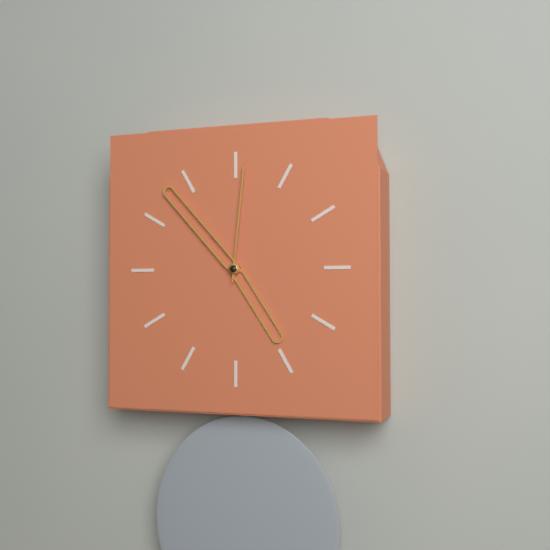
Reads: 4:53:01
